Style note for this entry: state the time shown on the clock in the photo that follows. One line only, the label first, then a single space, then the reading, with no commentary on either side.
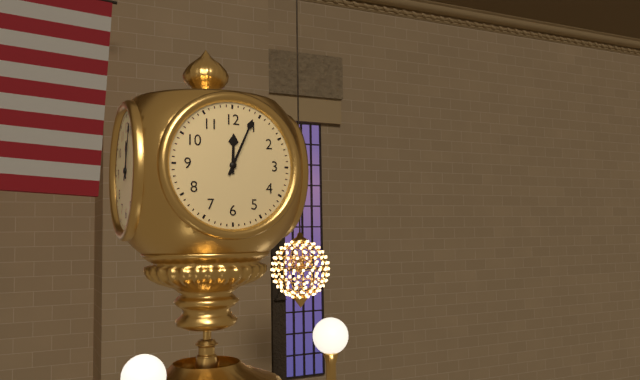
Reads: 12:04
